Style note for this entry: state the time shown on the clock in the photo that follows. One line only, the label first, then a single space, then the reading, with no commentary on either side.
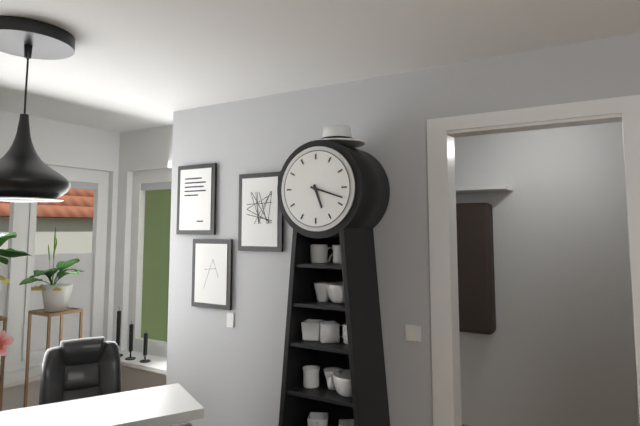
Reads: 5:18
